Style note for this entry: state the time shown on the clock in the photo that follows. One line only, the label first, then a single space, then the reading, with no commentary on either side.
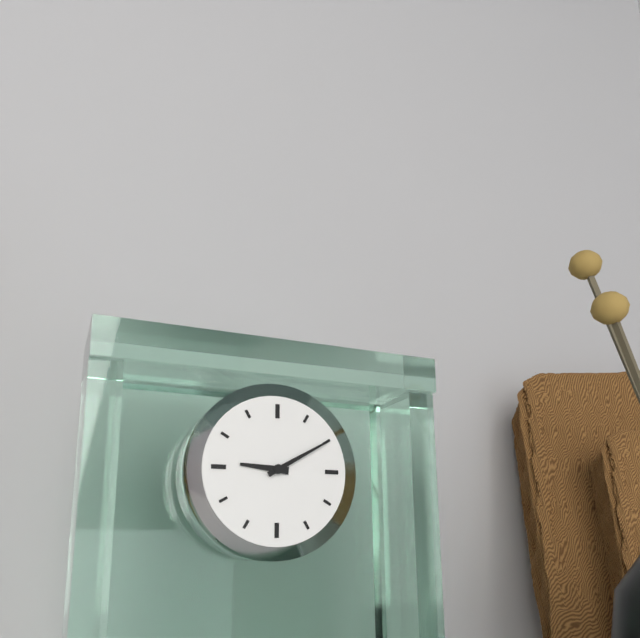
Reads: 9:10
